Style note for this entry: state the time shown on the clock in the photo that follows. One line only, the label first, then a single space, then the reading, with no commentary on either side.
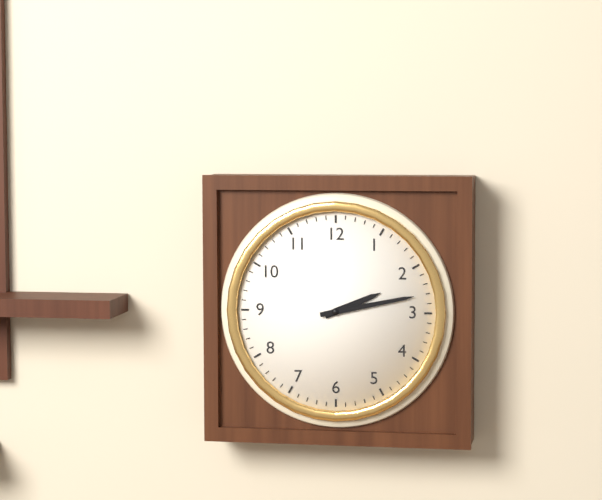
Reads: 2:13
